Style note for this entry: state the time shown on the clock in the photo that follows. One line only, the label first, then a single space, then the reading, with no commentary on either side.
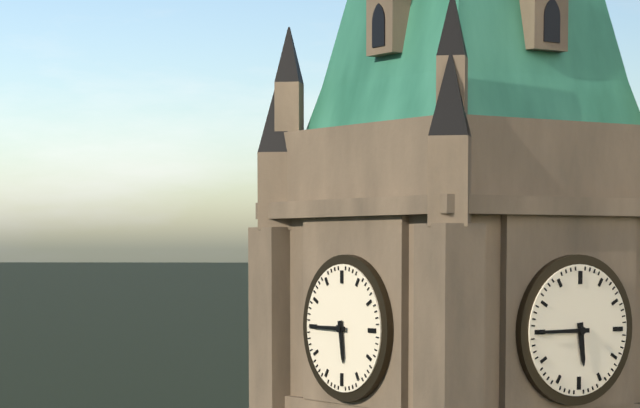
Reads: 5:45
